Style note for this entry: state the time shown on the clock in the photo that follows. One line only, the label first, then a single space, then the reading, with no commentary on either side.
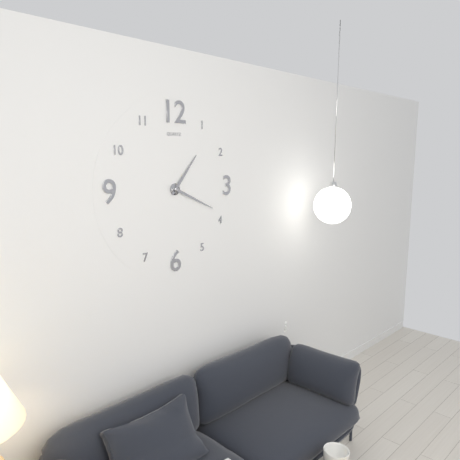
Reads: 1:19
